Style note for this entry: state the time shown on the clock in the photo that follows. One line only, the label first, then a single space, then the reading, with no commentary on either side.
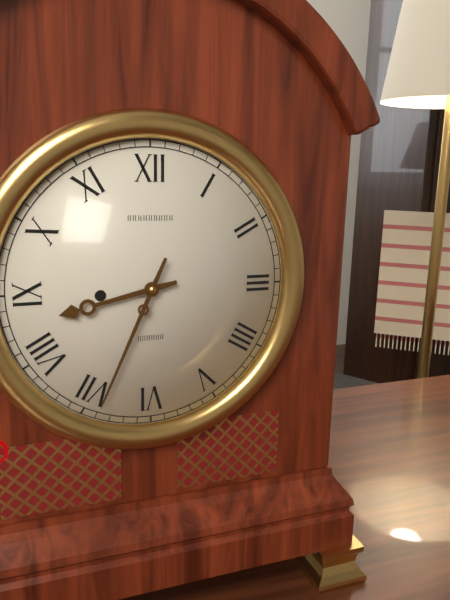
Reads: 8:34
